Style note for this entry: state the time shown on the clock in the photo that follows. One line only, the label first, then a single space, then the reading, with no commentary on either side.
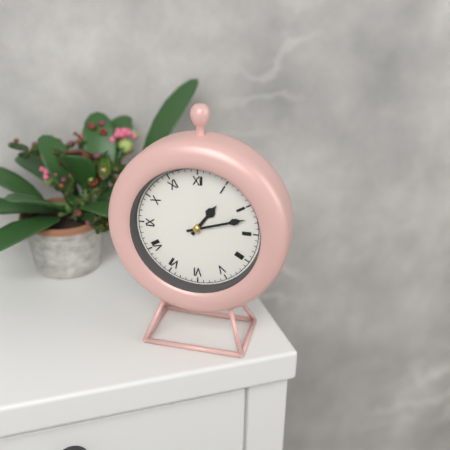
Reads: 1:12
